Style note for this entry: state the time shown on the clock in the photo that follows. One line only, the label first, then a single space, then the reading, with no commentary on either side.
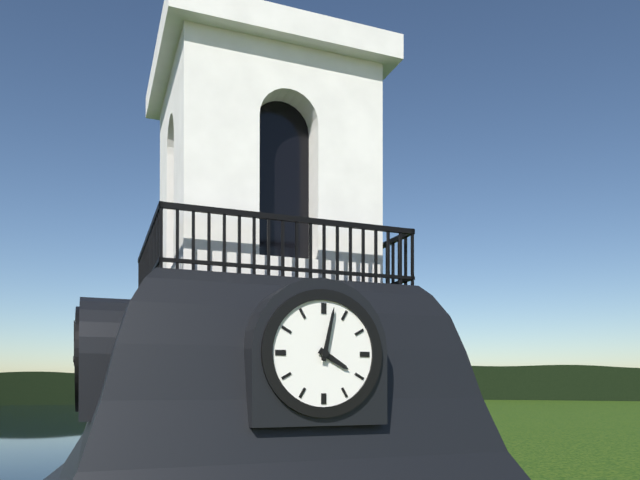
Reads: 4:02
